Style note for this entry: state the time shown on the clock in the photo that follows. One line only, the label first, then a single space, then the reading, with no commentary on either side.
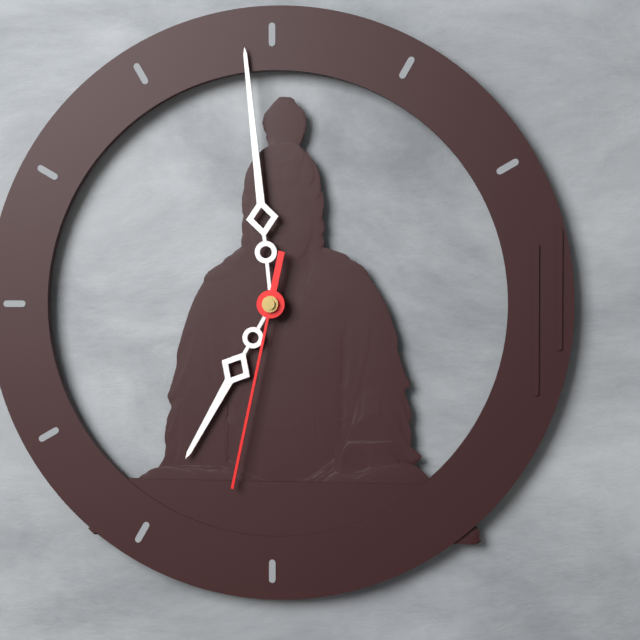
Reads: 6:59:32
